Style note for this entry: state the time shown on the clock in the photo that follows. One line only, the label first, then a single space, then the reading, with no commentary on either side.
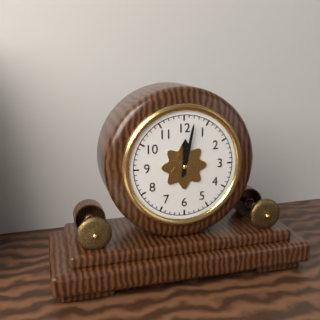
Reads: 12:02
